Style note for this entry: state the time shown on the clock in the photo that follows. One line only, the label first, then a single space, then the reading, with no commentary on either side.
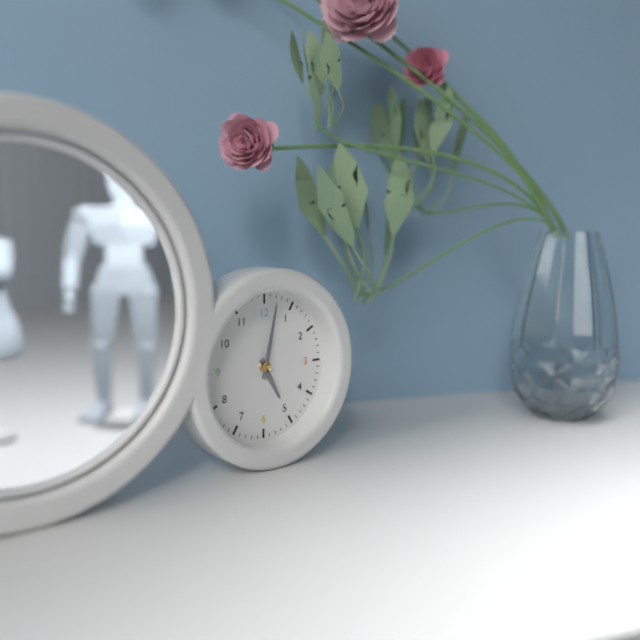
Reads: 5:02
